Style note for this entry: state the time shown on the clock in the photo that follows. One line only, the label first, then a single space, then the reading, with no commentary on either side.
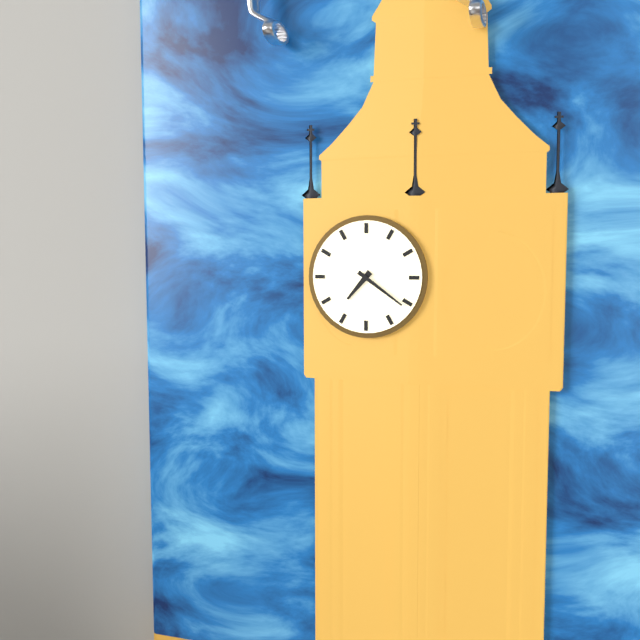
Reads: 7:21
